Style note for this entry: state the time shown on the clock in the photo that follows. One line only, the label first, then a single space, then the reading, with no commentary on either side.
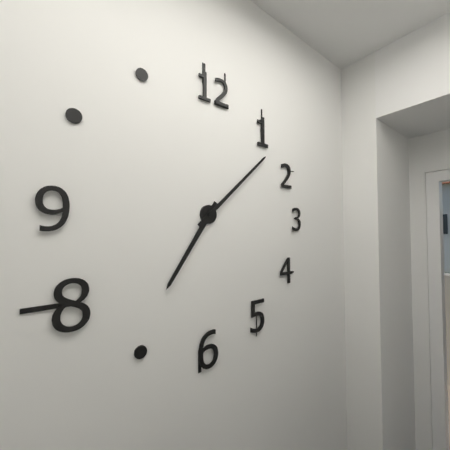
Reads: 7:08
